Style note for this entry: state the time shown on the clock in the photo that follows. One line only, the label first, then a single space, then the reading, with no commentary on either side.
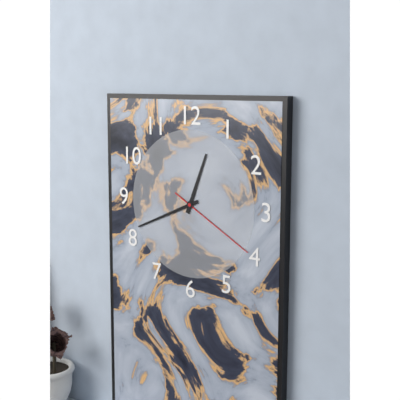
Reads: 12:41:20
